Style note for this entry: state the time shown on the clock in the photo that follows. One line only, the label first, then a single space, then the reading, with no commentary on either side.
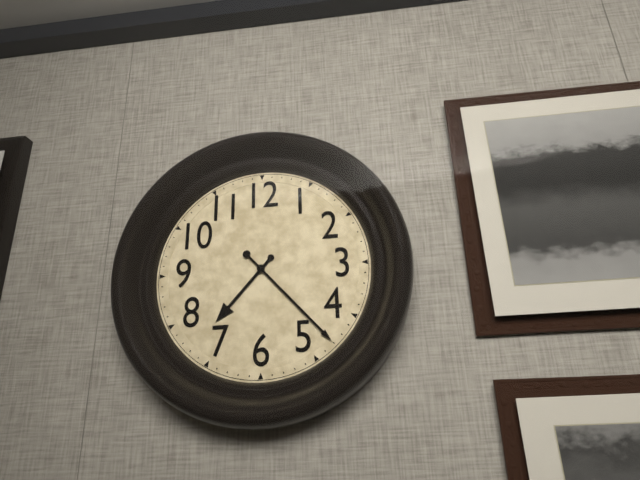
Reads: 7:23
